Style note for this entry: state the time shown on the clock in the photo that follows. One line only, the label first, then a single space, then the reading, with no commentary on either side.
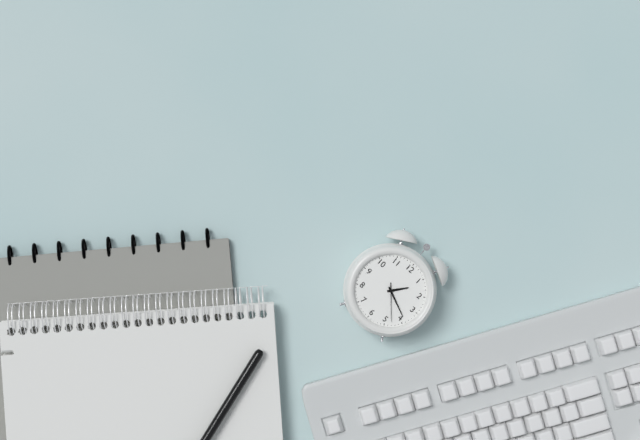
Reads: 1:19
